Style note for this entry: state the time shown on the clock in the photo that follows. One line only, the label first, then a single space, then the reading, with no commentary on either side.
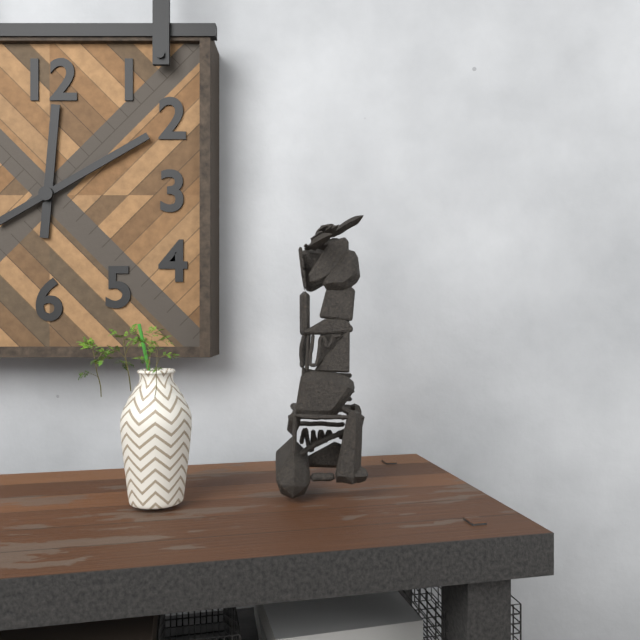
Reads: 12:10
